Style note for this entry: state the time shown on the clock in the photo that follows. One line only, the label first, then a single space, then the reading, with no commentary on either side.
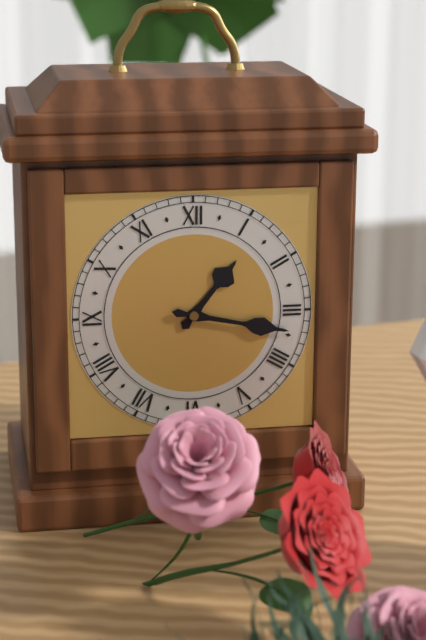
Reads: 1:17
